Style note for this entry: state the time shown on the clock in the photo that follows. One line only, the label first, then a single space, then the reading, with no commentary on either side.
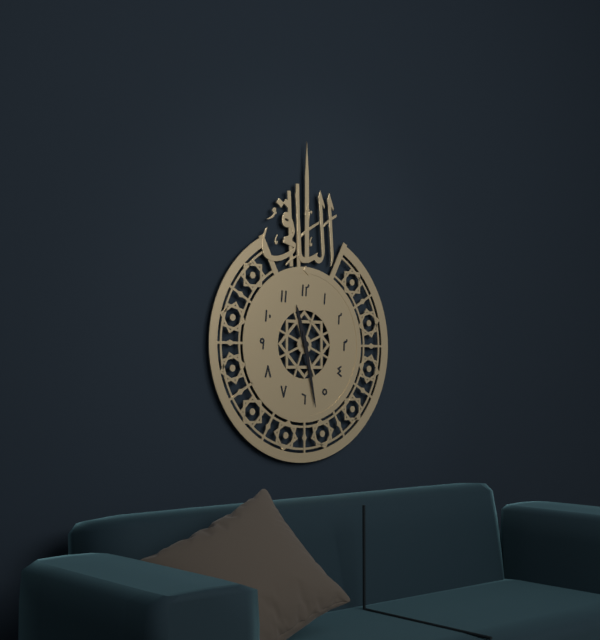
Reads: 11:28
